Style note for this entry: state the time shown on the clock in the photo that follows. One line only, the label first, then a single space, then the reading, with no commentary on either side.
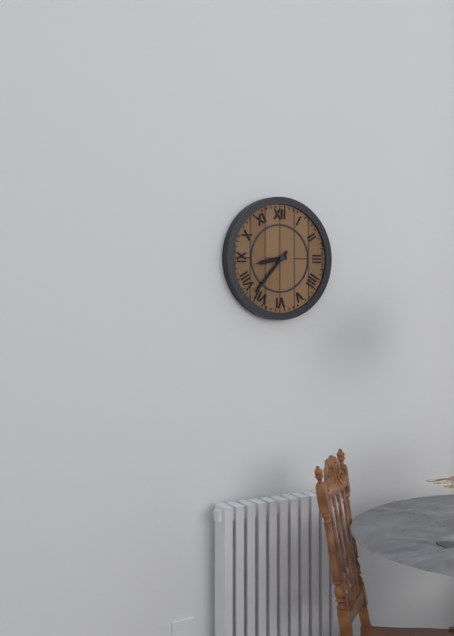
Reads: 8:37
